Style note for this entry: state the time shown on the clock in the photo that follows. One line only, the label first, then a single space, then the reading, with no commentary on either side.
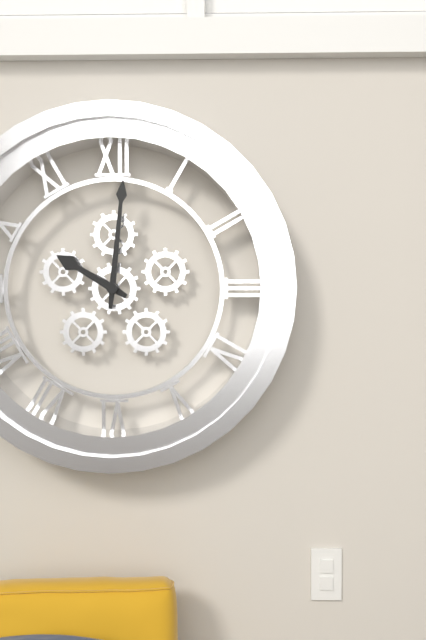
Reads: 10:01
